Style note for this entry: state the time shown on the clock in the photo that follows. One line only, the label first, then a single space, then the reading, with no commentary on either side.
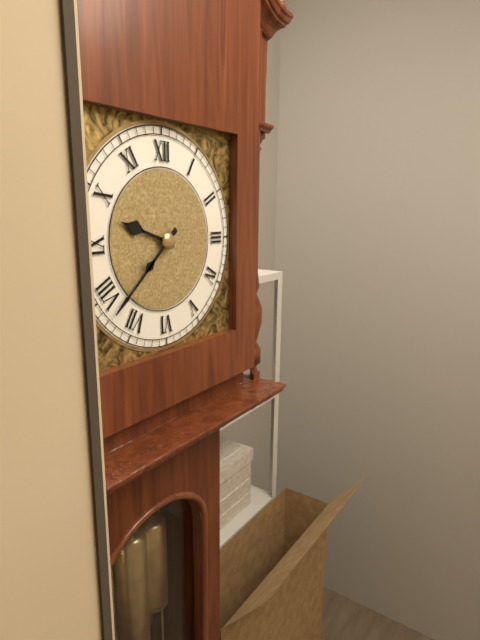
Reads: 9:38
